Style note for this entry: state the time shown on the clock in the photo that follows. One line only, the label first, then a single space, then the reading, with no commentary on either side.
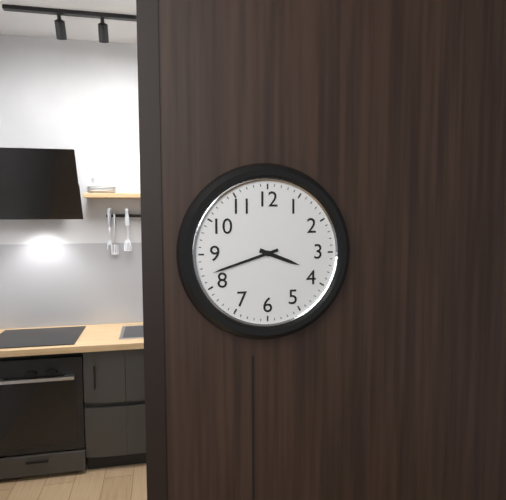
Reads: 3:42
